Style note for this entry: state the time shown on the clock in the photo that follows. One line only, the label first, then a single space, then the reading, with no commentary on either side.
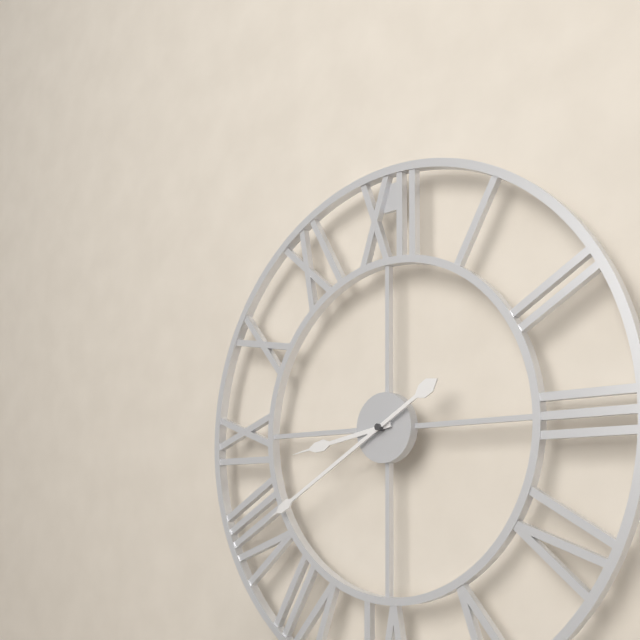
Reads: 8:40
